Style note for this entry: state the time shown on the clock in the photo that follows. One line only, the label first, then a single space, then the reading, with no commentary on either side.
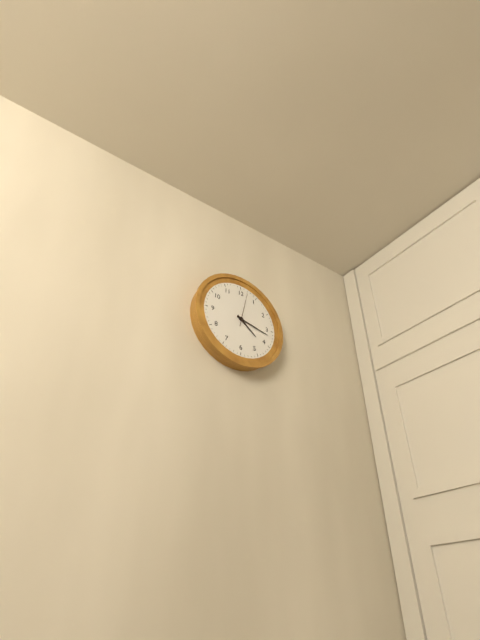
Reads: 4:17
